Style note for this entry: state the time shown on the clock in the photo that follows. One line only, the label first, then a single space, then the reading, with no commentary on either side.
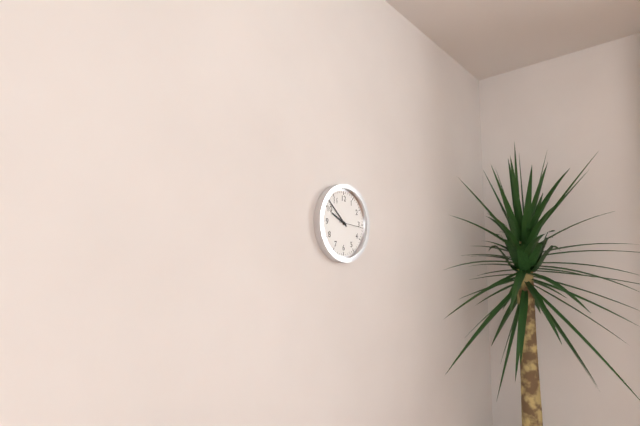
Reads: 9:52
